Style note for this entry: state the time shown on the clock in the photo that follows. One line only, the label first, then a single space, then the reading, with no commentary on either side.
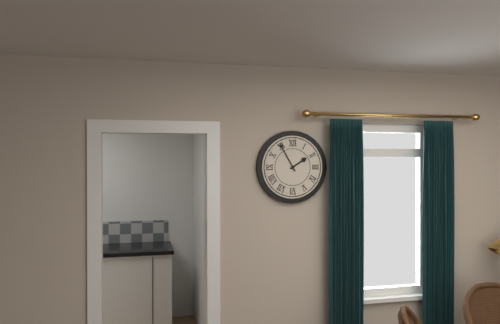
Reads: 1:55
